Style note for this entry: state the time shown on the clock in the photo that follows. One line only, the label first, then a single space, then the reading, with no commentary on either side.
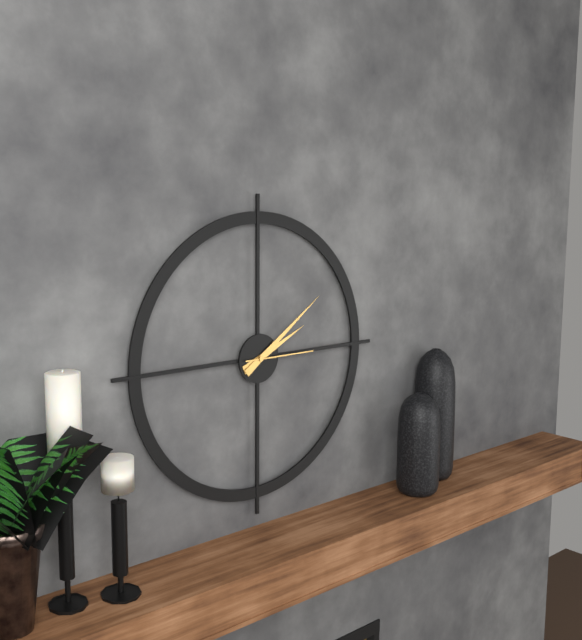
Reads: 2:09:15
